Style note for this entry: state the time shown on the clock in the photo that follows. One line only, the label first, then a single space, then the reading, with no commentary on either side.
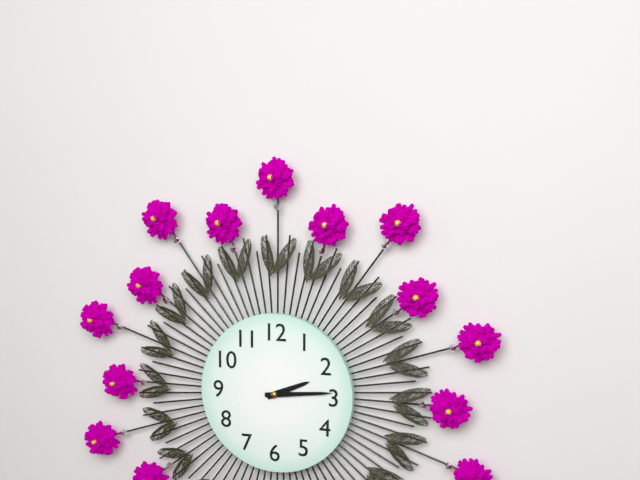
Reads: 2:14
